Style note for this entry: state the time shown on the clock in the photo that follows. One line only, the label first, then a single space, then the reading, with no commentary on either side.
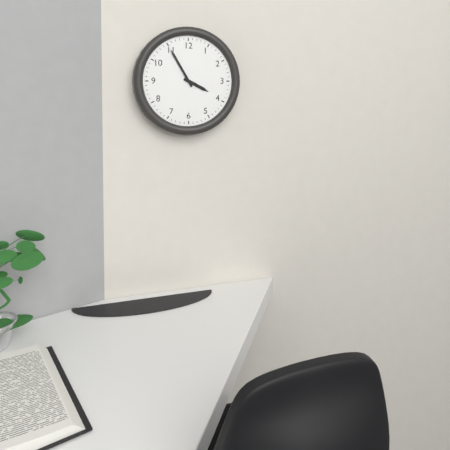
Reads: 3:55
